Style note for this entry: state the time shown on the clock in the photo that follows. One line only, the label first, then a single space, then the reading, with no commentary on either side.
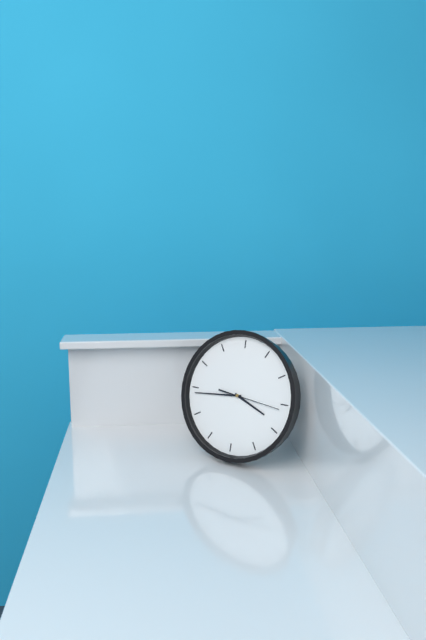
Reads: 3:44:16
